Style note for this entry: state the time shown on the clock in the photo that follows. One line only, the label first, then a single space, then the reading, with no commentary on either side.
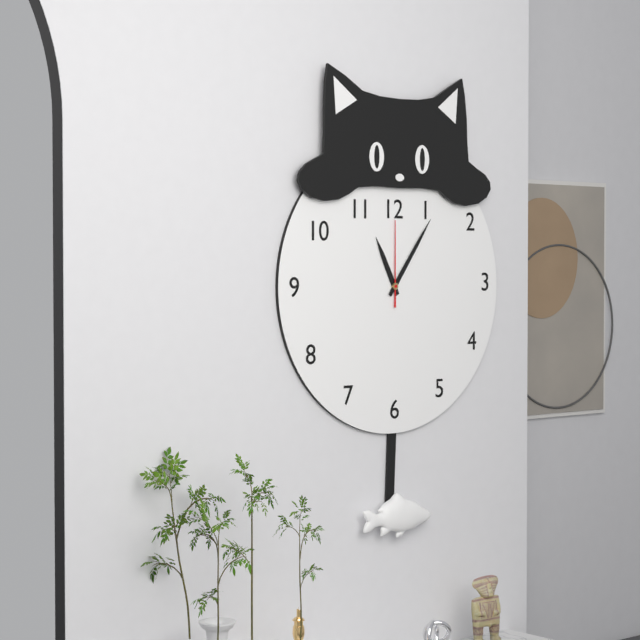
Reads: 11:06:00
